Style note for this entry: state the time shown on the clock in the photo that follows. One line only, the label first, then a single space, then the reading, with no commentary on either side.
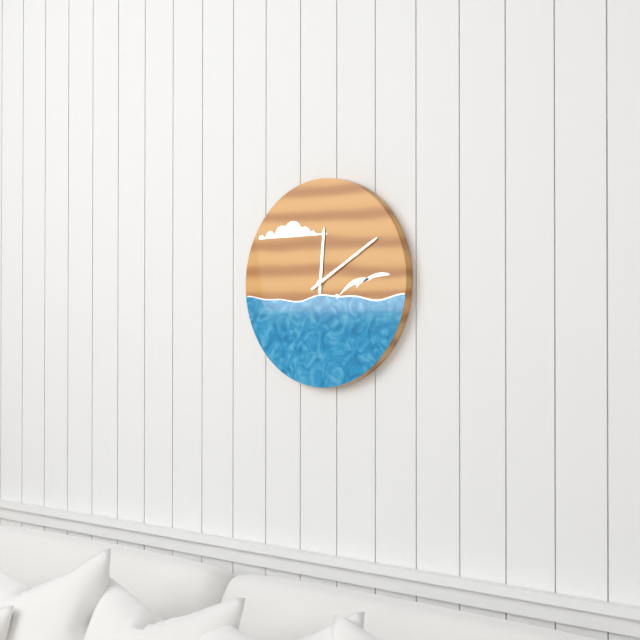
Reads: 12:10
